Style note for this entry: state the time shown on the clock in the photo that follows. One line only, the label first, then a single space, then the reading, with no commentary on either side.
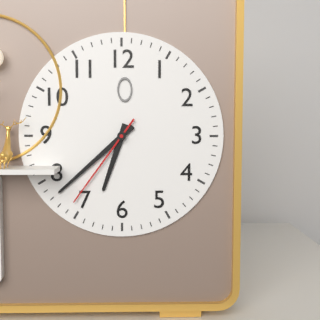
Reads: 6:38:36
